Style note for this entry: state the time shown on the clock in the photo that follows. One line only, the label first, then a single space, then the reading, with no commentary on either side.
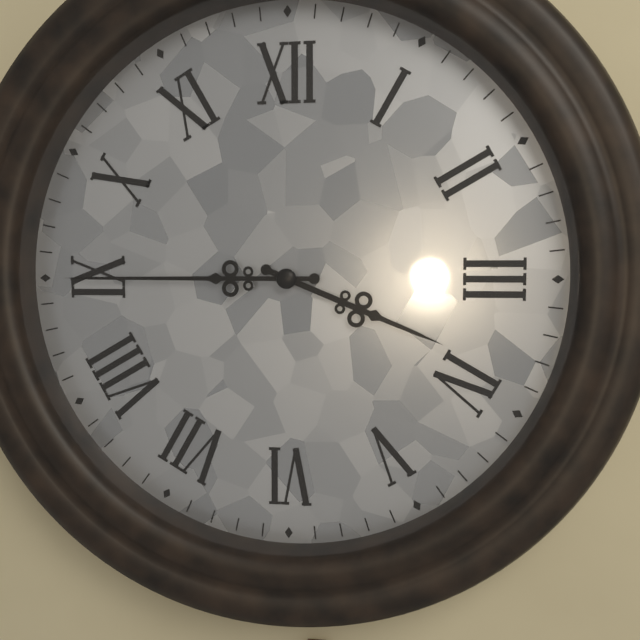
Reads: 3:45
